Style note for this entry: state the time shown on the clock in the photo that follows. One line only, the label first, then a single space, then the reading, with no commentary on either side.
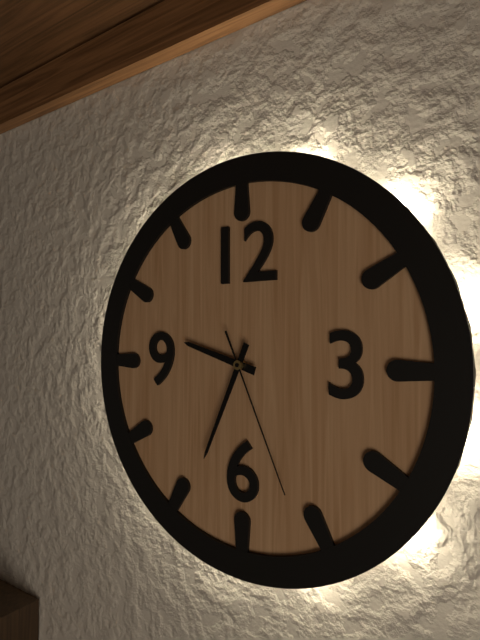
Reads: 9:34:26
